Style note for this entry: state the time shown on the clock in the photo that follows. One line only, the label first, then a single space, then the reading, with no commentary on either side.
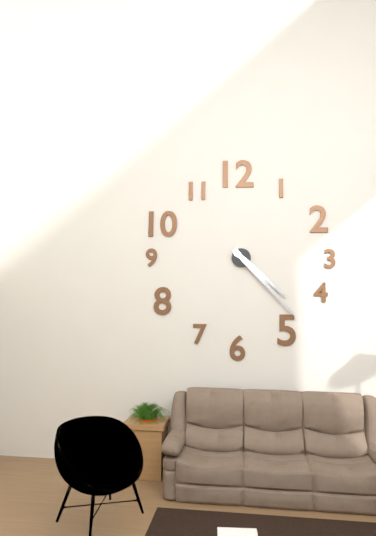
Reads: 4:23
